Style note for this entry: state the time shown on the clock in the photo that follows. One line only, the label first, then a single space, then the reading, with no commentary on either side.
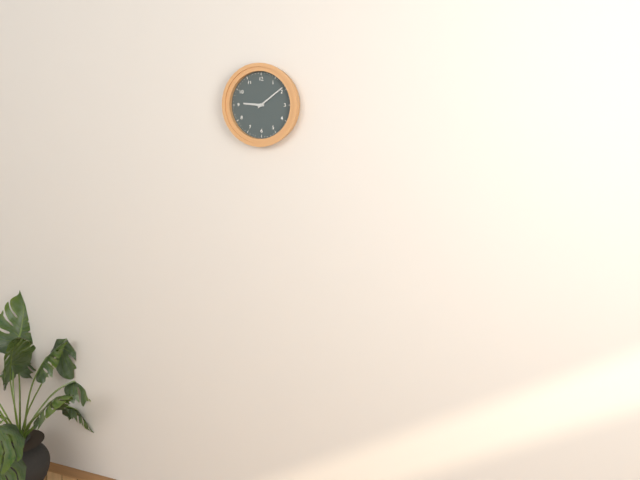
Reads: 9:09
